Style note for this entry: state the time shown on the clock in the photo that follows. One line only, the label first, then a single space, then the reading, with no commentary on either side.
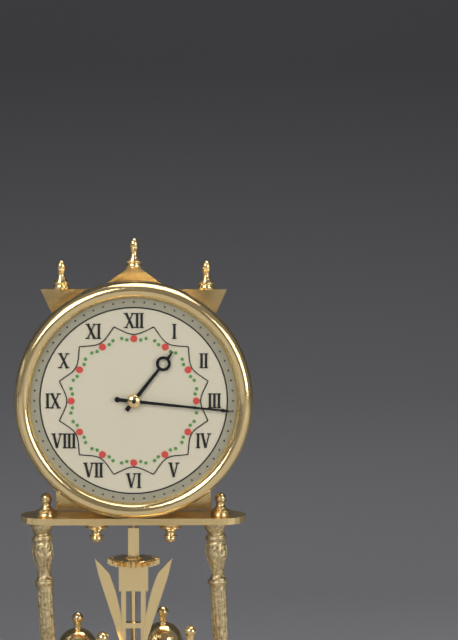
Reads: 1:16
